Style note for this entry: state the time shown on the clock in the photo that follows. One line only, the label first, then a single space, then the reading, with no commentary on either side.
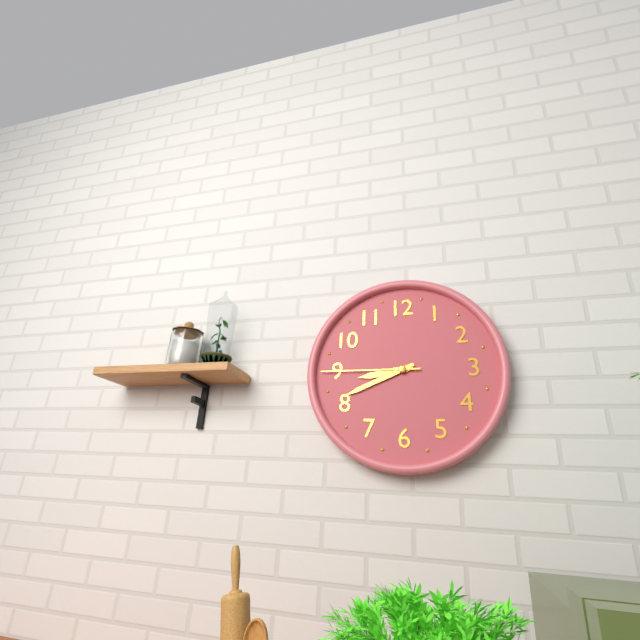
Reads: 8:41:45
